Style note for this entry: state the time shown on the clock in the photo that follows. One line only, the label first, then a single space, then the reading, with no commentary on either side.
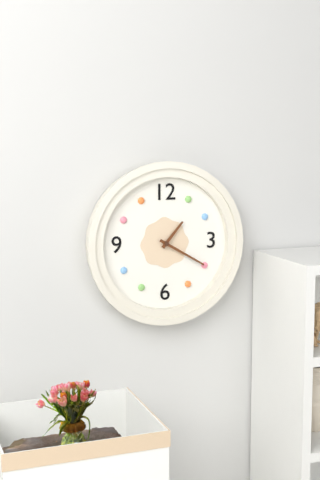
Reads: 1:20
